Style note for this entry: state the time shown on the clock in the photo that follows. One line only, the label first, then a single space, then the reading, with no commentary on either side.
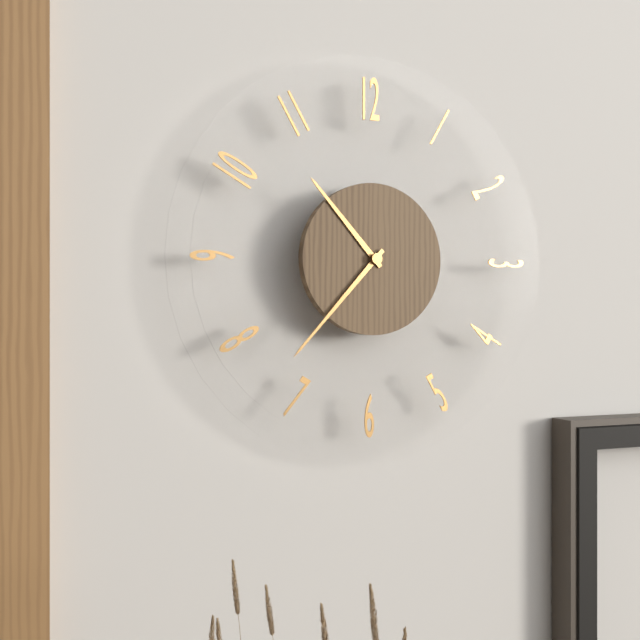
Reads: 10:37
